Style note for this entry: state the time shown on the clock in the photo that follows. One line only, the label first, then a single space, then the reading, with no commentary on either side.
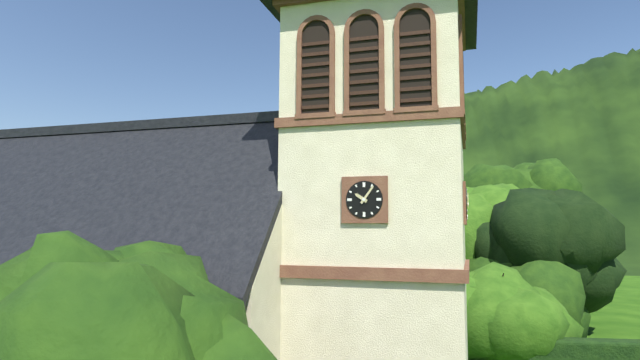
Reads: 10:06
